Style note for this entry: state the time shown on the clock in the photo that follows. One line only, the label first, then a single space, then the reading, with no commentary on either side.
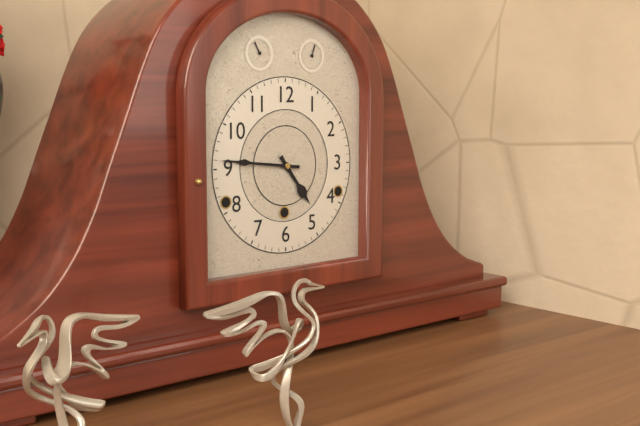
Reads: 4:46
